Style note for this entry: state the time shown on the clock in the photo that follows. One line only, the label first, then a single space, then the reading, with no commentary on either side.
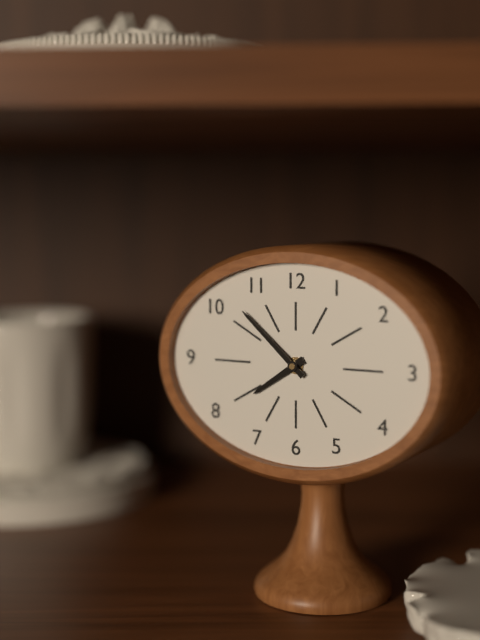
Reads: 7:52
